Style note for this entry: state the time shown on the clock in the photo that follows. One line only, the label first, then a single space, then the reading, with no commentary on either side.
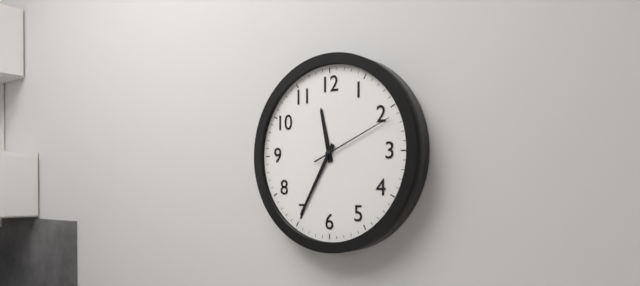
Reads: 11:35:11
